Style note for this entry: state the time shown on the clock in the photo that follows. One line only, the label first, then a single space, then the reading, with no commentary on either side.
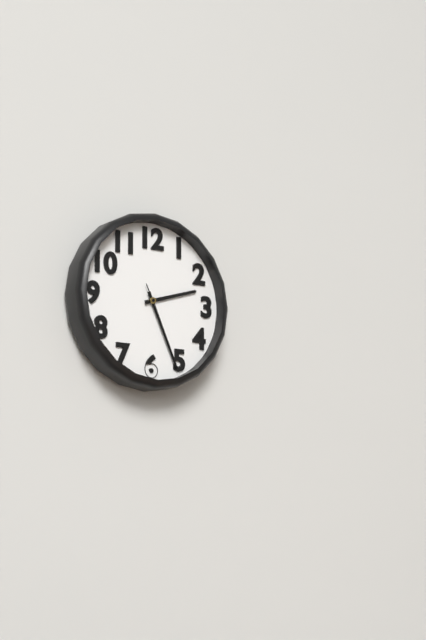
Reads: 2:26:26
